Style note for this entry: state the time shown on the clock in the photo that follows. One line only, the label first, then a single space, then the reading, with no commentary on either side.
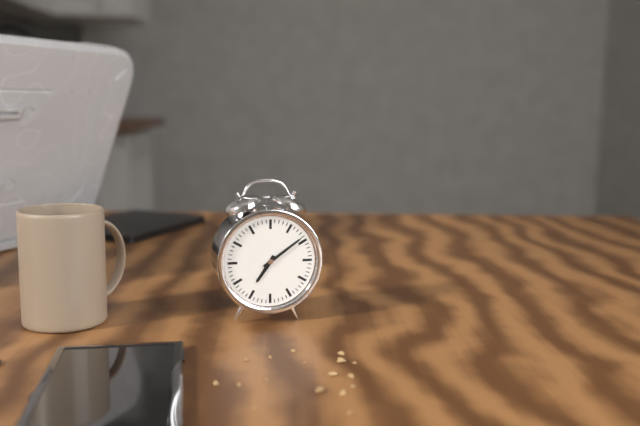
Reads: 7:09
